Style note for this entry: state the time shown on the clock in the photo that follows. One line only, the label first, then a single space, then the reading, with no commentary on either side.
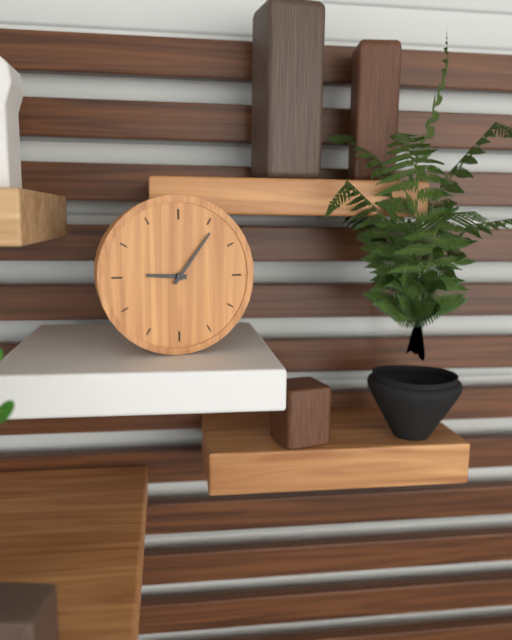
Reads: 9:06
